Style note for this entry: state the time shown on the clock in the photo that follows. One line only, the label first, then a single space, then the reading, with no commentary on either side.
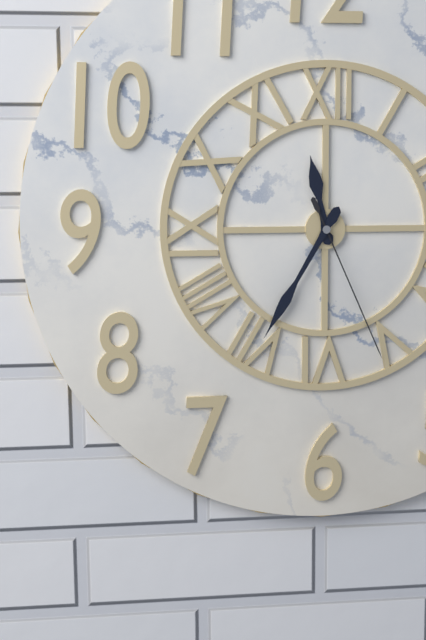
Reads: 11:35:26
